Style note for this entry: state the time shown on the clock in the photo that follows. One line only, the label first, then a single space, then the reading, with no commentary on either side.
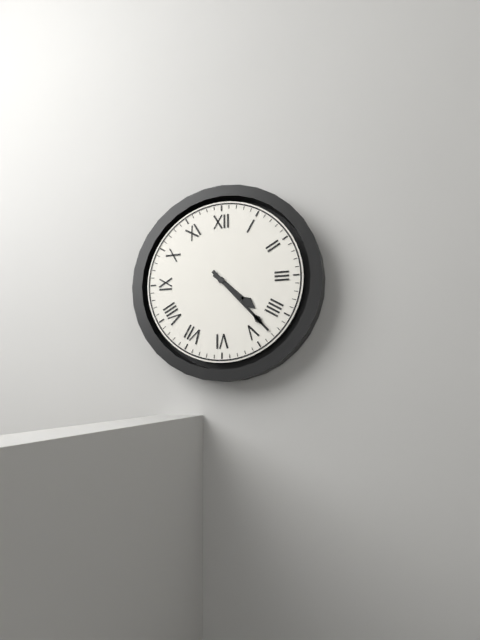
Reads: 4:23
